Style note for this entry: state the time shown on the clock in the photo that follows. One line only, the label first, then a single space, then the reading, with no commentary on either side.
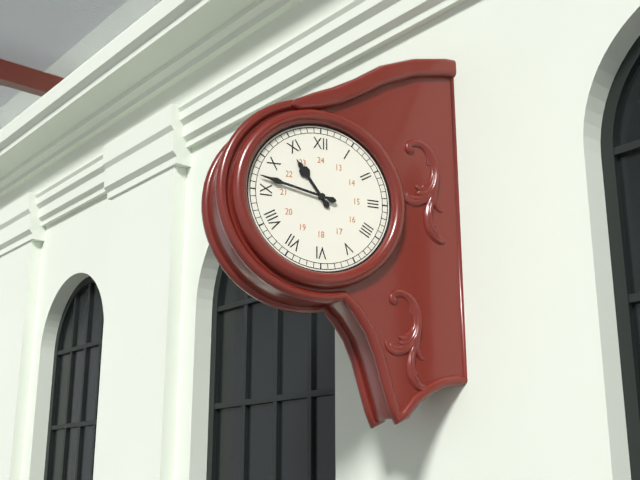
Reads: 10:47
